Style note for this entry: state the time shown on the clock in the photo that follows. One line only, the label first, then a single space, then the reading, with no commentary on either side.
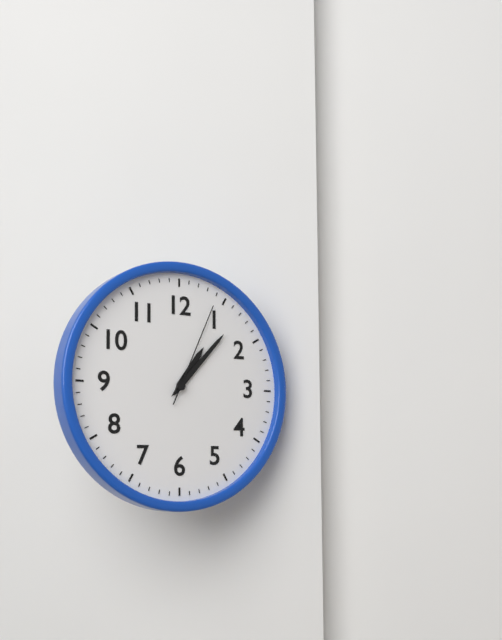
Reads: 1:07:04
